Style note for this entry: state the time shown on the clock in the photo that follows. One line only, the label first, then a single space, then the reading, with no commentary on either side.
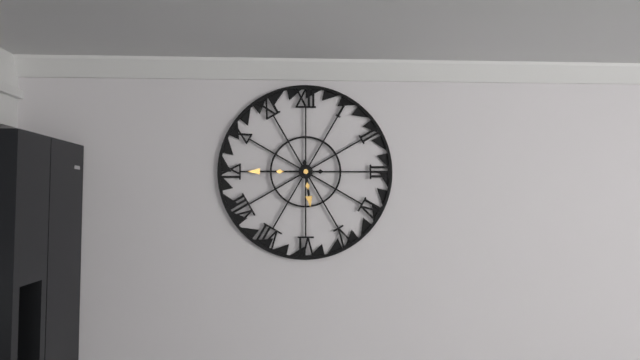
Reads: 5:45
